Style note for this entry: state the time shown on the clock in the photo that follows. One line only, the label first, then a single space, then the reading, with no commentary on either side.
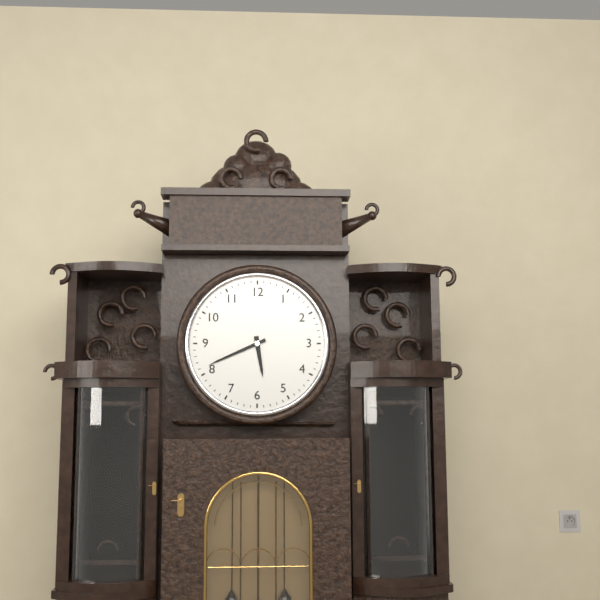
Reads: 5:41
